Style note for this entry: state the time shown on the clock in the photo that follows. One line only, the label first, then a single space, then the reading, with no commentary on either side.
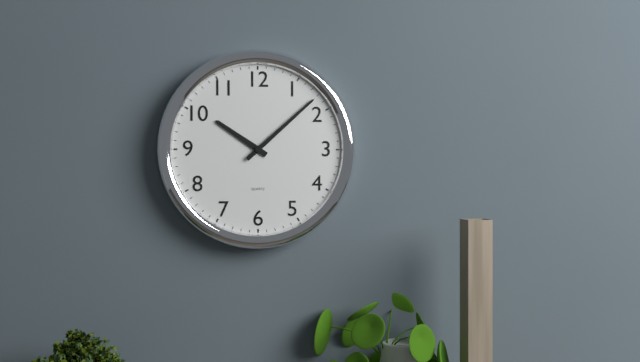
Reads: 10:08
